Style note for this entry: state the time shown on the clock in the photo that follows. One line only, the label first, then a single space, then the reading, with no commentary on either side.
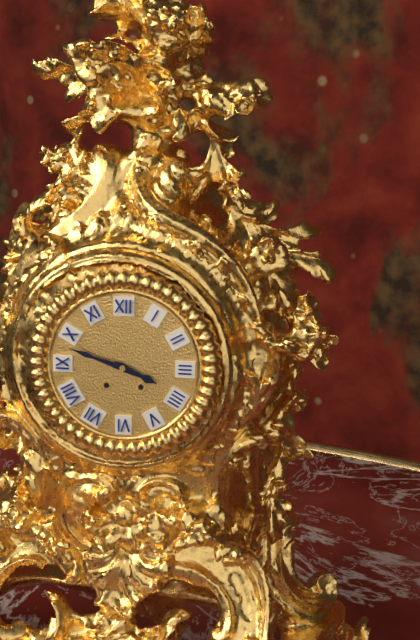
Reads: 3:48
